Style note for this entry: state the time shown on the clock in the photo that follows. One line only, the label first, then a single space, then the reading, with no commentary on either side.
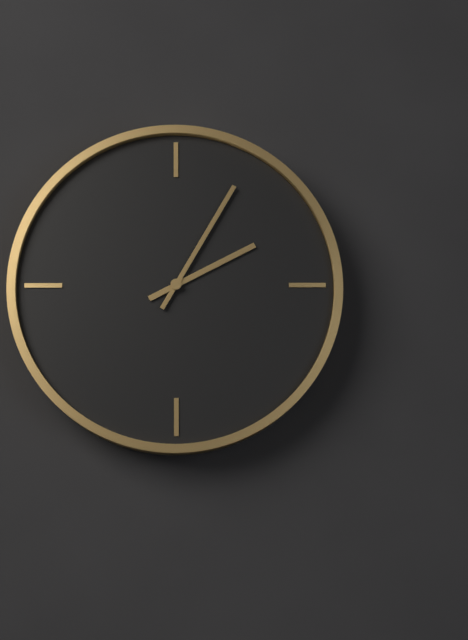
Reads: 2:05
